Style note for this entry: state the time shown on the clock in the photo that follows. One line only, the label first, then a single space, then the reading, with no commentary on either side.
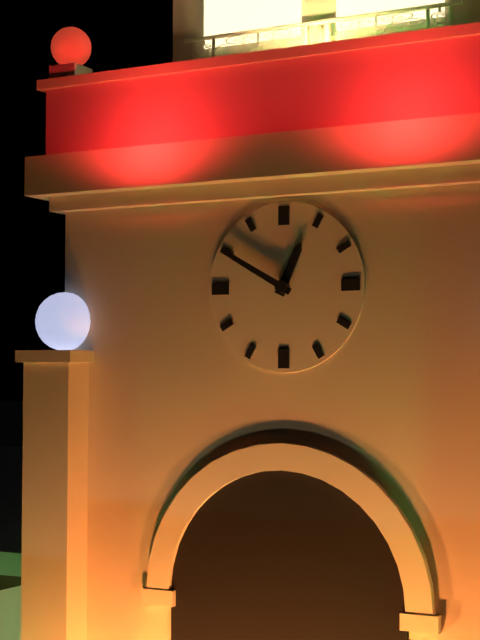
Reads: 12:50
